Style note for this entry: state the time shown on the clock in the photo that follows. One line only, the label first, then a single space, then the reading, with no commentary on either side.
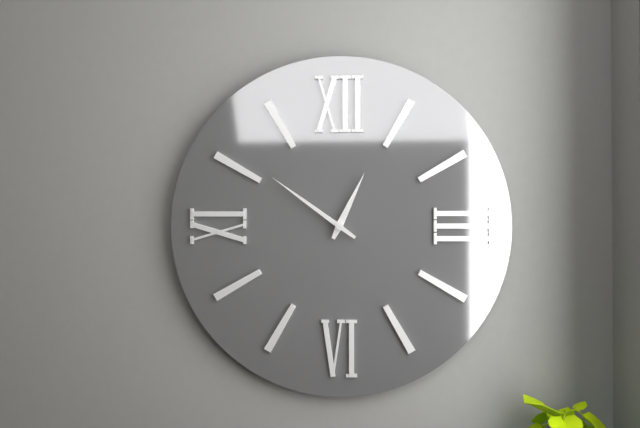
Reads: 12:51
